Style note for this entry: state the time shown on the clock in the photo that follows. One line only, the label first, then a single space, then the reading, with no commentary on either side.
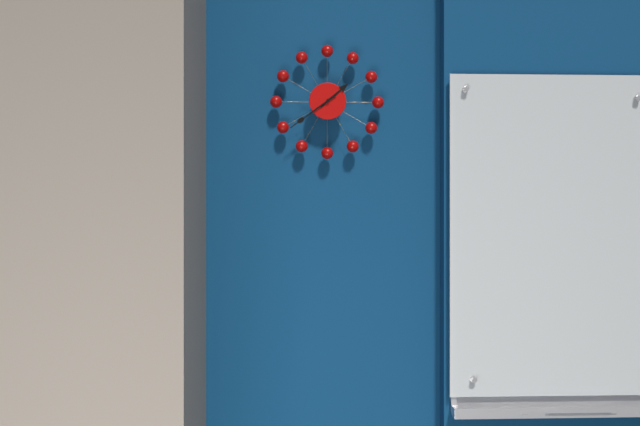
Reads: 1:39
